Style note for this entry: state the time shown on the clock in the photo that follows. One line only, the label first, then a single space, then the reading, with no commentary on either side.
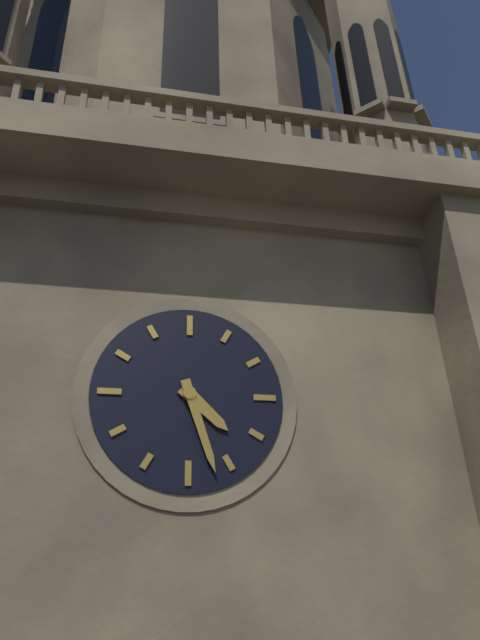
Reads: 4:27
